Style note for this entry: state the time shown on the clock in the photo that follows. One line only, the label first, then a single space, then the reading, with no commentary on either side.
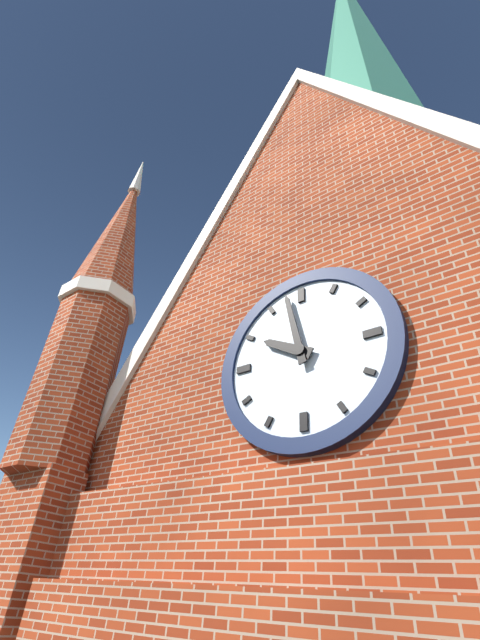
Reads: 9:58
